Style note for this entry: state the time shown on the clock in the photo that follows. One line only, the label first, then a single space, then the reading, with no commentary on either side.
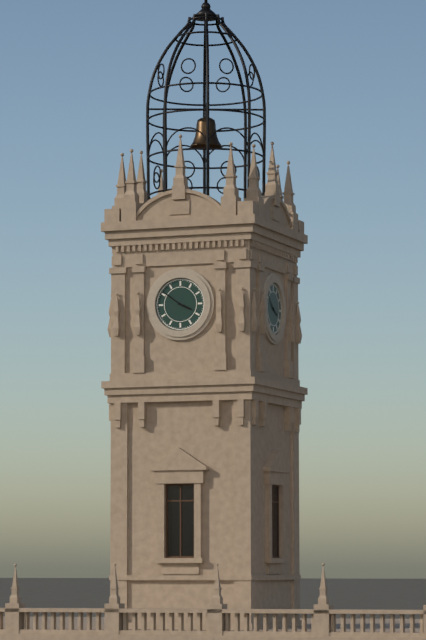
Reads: 3:51
